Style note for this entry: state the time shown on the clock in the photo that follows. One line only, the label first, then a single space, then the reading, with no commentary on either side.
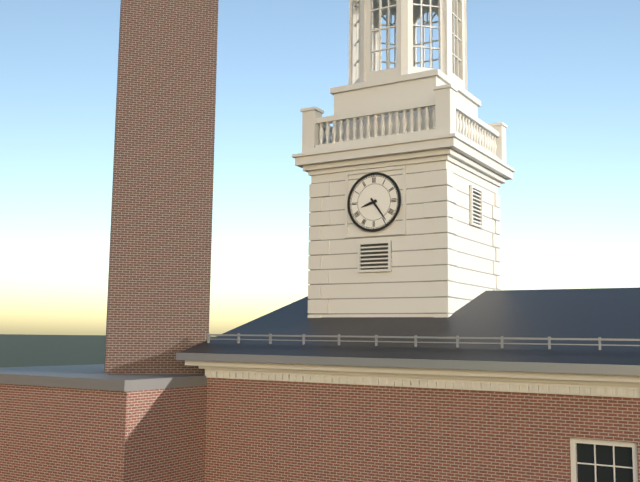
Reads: 8:24
